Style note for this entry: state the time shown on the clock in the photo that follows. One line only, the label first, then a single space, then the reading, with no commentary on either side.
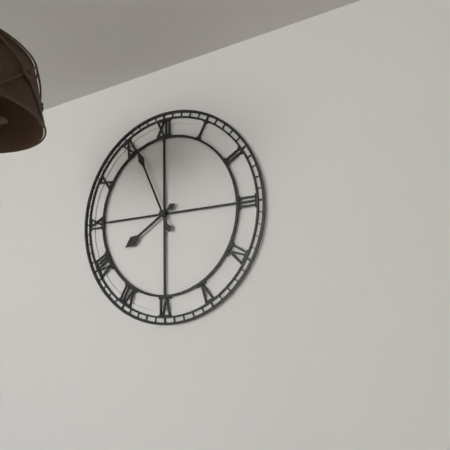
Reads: 7:56
